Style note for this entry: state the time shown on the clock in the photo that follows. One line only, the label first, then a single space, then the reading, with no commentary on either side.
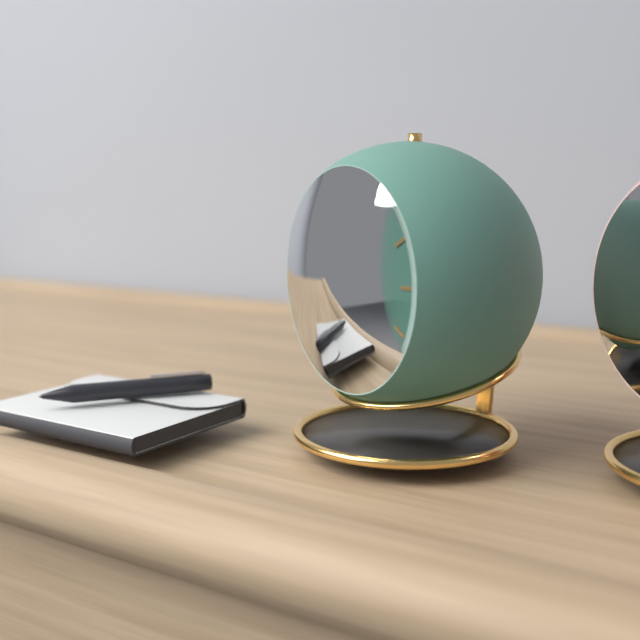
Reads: 5:41:29
